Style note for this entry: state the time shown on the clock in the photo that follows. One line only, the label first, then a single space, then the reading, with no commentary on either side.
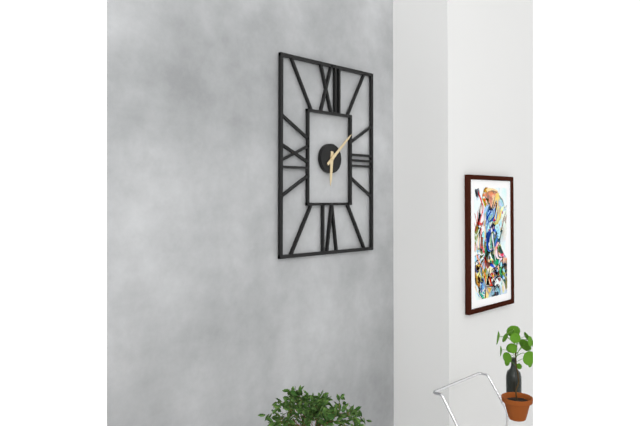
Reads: 6:08
